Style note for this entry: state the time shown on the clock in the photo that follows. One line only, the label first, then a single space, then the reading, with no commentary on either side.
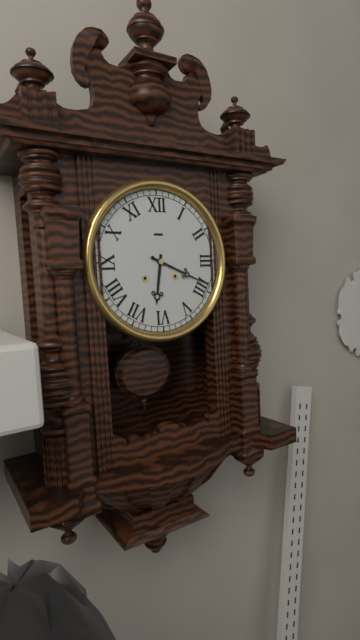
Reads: 6:19
